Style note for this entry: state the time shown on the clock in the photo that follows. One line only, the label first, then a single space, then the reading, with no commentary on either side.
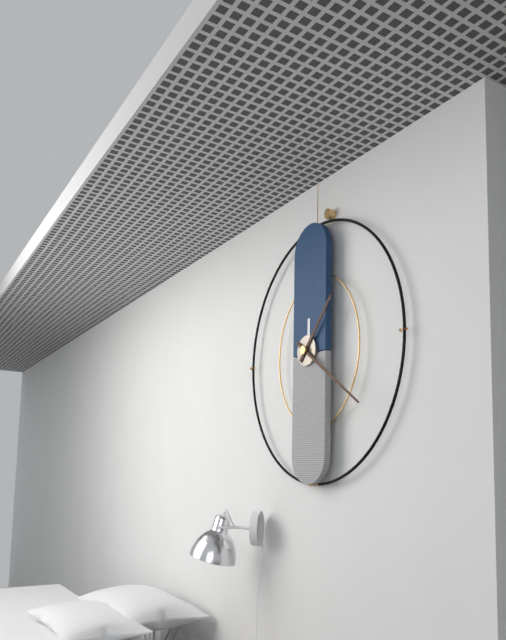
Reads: 1:21
